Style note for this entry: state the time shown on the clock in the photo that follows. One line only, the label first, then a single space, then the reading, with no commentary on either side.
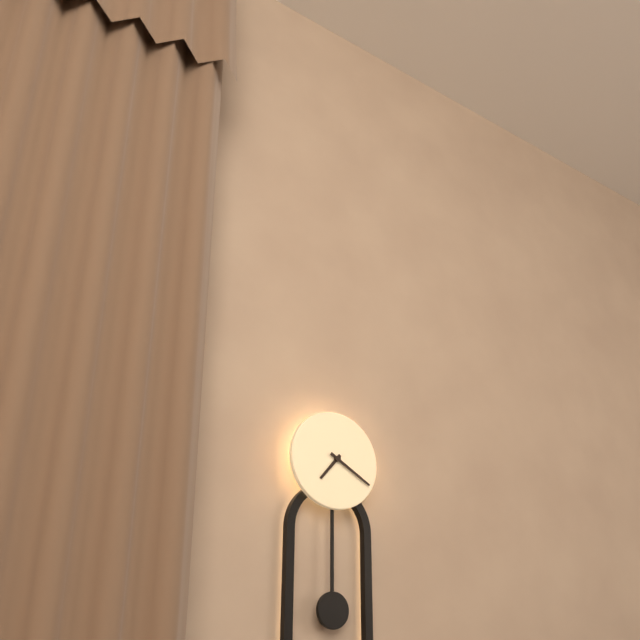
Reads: 7:20
